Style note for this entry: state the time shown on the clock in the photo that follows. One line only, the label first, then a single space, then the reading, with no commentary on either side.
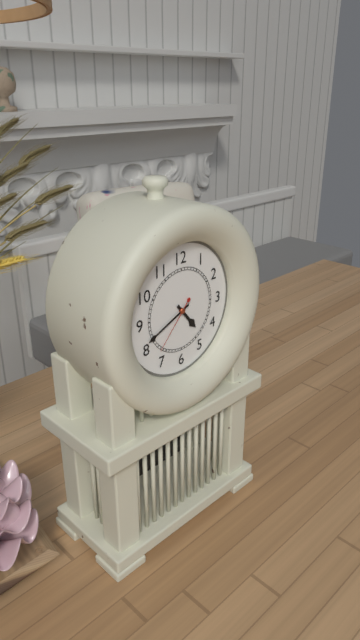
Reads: 4:41:37
